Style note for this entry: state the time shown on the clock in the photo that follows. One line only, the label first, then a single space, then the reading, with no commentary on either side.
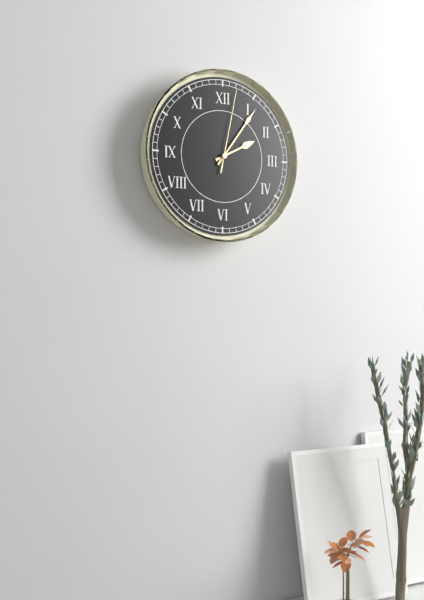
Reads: 2:06:02
